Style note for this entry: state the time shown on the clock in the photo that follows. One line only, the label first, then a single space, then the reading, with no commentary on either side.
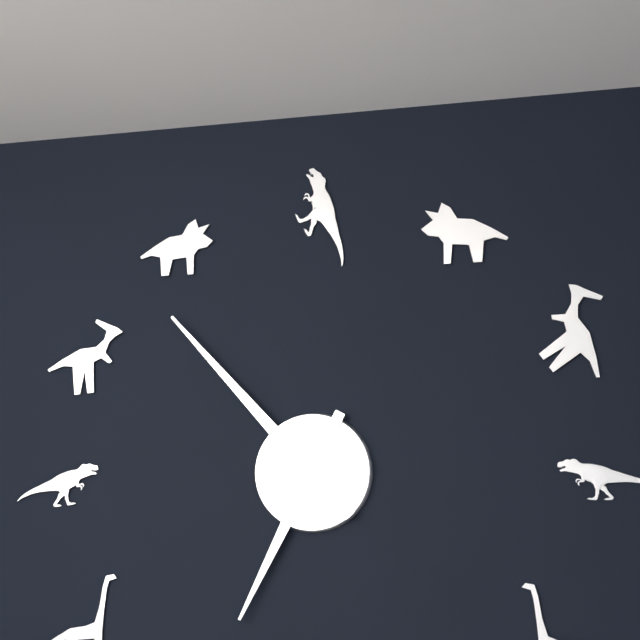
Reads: 6:53
